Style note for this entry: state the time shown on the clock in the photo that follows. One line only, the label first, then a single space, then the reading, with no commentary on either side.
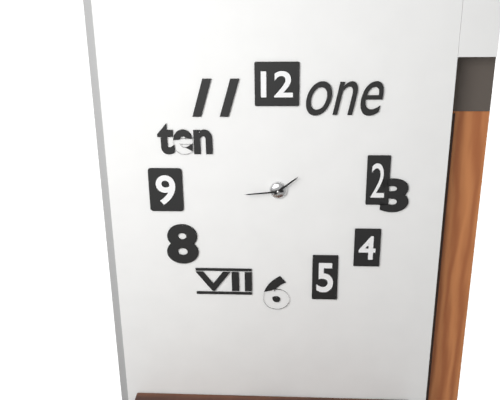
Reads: 1:44
